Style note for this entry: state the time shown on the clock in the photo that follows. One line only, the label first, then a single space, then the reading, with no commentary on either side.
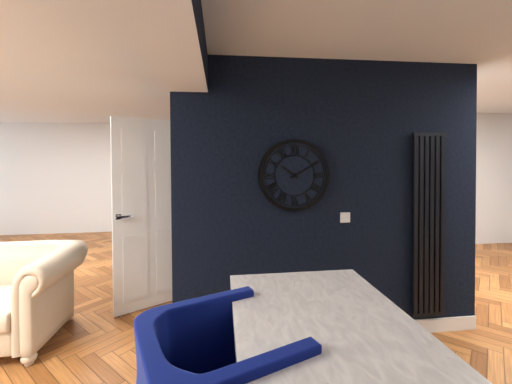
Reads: 10:10
